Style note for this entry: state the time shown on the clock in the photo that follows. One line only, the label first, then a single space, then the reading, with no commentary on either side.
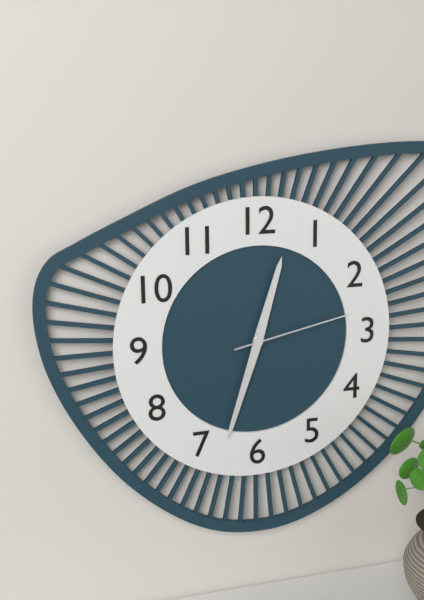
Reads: 12:33:13
